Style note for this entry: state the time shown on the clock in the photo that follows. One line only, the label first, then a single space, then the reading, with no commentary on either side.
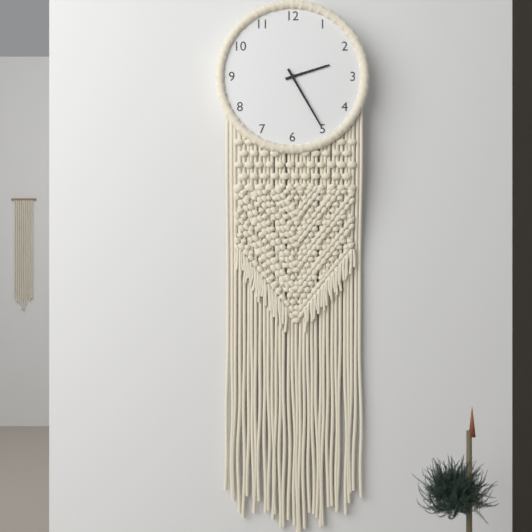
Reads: 2:25
